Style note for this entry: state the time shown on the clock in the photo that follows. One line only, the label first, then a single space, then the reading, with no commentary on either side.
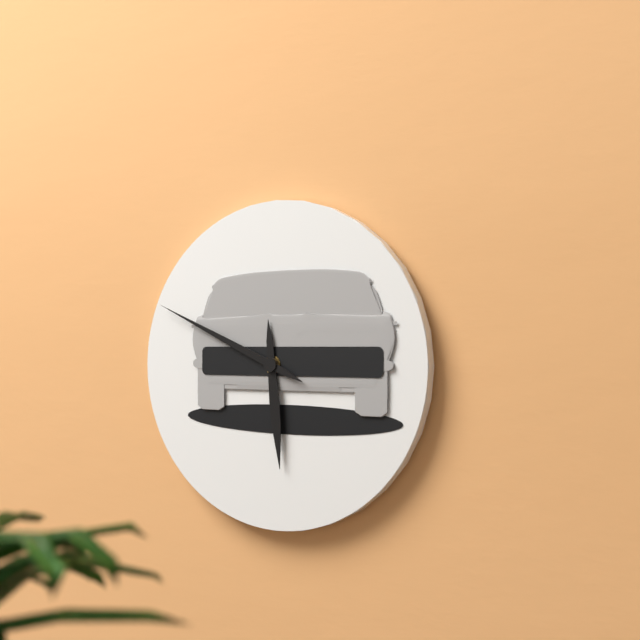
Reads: 5:49
